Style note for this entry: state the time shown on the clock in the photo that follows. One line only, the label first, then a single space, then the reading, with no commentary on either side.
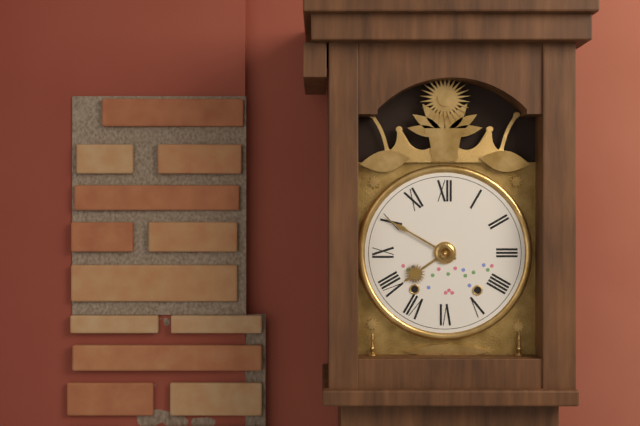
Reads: 7:50
